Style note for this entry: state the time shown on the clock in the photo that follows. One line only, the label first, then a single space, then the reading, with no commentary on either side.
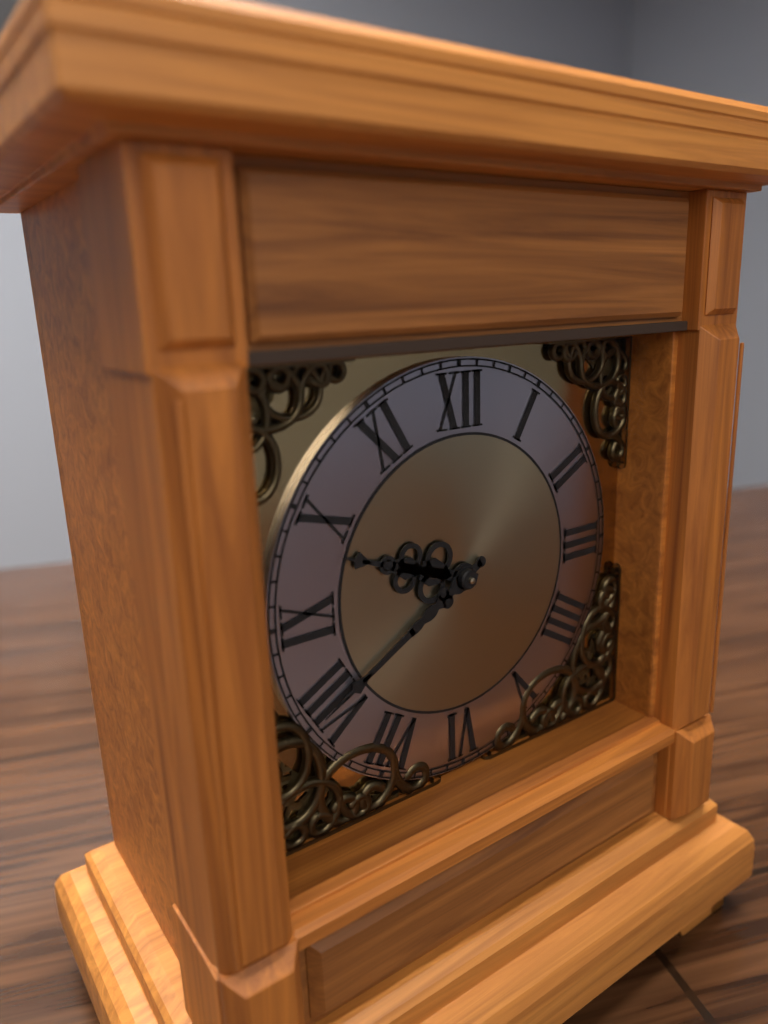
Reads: 9:40
